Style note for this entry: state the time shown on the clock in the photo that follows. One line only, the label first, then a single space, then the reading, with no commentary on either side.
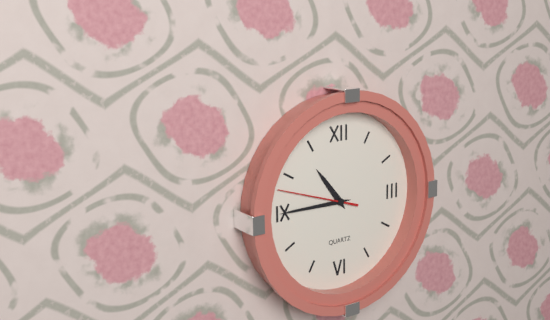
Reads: 10:45:48
